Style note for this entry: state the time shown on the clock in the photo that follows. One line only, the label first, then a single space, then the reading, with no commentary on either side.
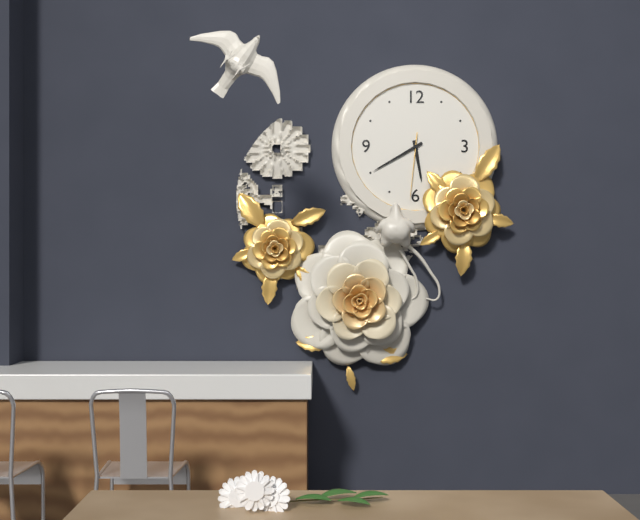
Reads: 5:40:31
